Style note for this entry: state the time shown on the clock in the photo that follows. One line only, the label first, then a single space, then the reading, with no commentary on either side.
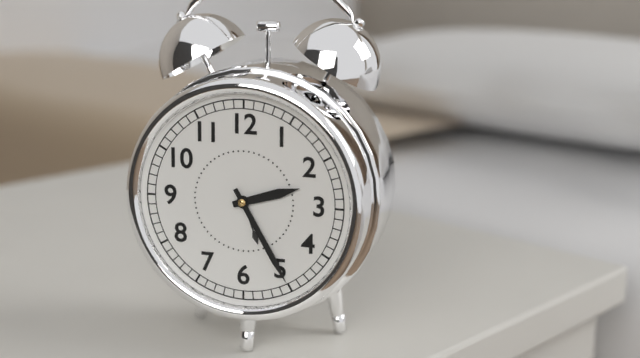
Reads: 2:25
